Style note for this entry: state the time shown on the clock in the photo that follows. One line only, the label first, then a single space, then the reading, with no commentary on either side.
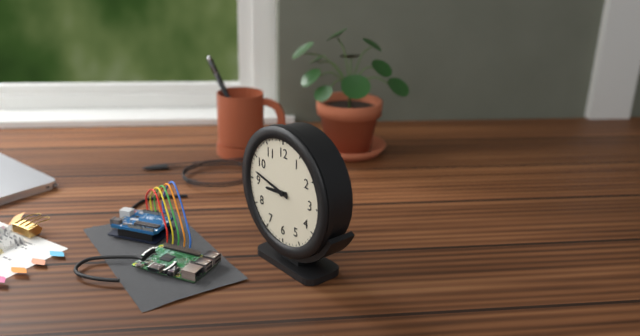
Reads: 8:47
